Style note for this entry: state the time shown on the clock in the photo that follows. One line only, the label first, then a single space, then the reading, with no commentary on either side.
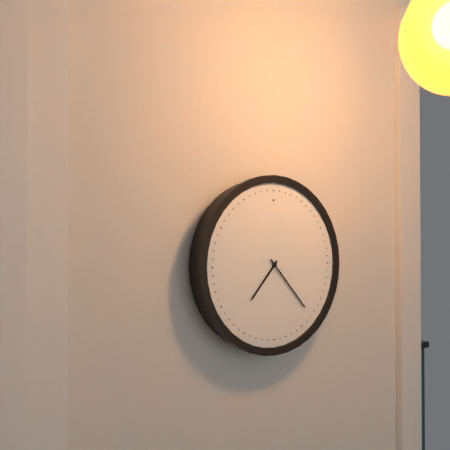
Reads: 7:23
